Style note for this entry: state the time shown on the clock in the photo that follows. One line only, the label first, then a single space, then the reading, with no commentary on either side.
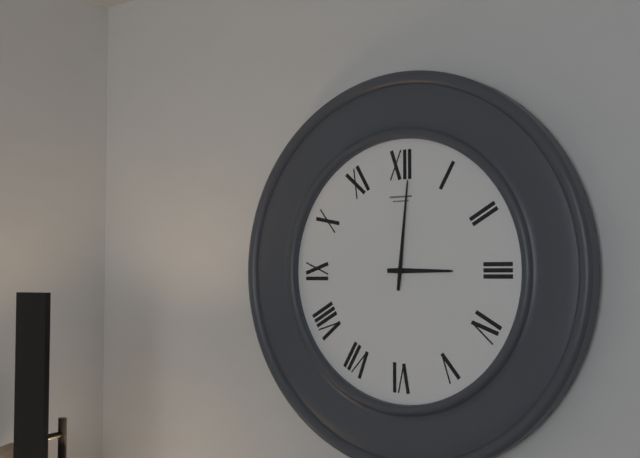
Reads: 3:01
